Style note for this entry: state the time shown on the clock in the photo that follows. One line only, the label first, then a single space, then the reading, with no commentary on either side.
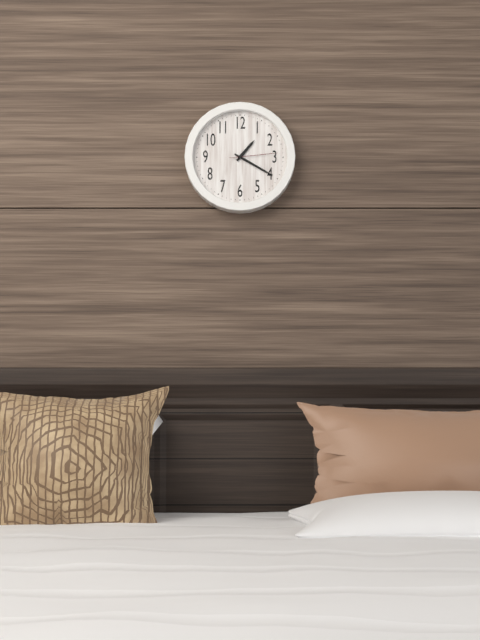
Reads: 1:20
